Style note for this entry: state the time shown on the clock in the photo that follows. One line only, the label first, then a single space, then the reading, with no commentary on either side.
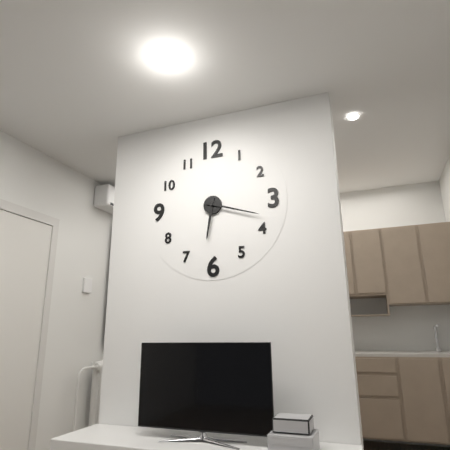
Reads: 6:18
